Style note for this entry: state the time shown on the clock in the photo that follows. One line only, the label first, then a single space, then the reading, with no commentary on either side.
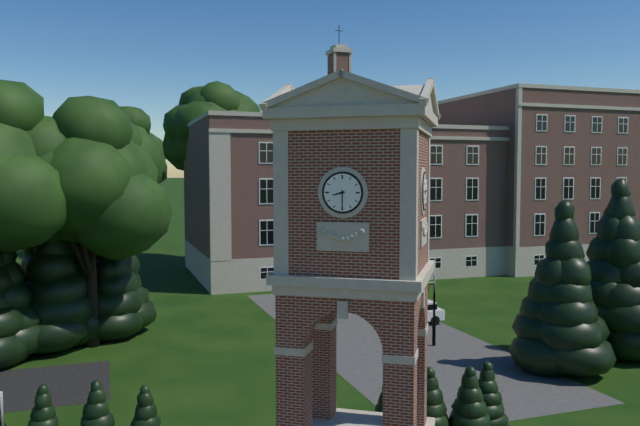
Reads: 8:30
